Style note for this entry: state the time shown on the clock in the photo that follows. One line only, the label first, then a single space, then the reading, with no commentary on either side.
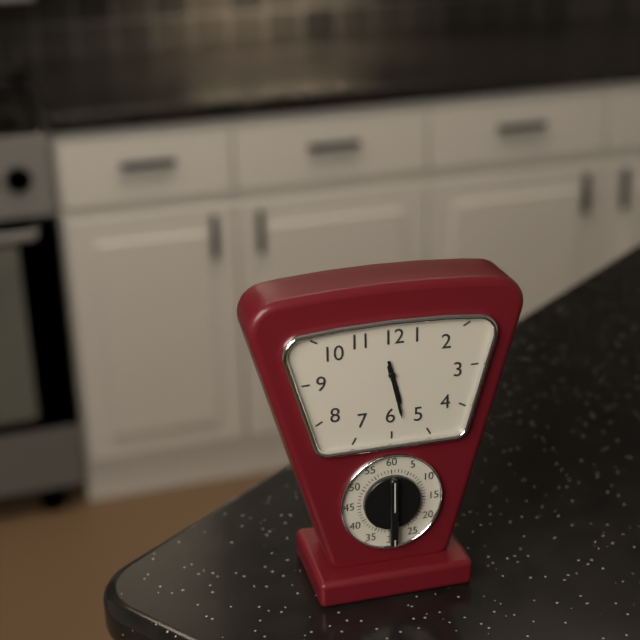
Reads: 5:28
